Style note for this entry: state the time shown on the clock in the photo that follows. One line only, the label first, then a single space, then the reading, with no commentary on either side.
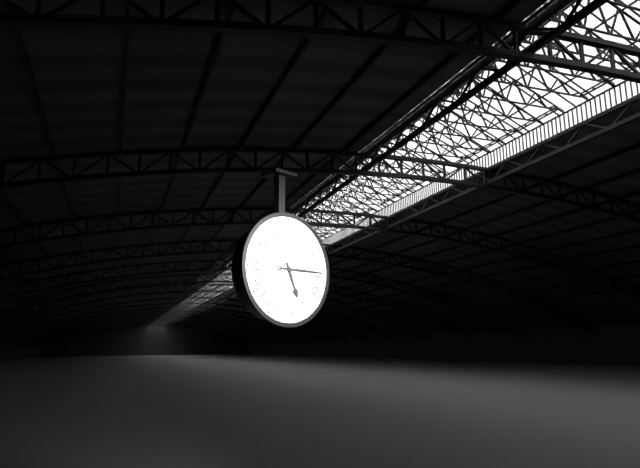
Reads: 5:15
